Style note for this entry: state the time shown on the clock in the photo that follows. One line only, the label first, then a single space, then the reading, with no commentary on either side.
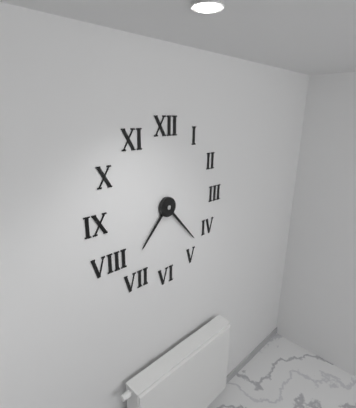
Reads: 7:23
